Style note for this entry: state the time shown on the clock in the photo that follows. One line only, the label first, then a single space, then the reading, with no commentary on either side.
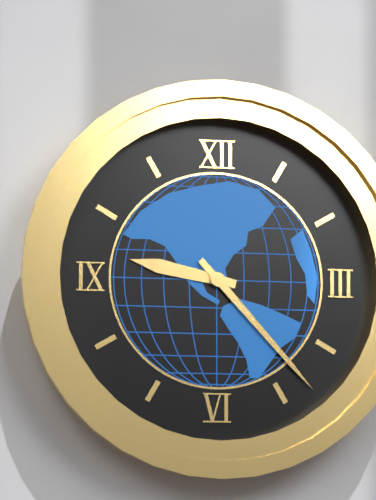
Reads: 9:23
